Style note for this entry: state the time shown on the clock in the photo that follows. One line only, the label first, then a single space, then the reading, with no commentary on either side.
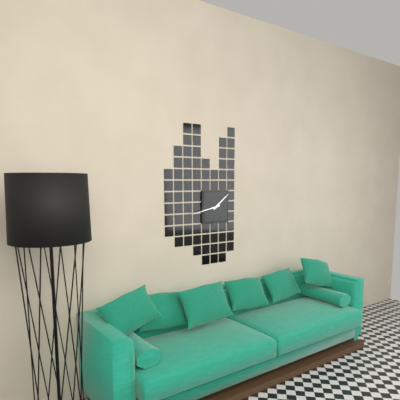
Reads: 1:43
